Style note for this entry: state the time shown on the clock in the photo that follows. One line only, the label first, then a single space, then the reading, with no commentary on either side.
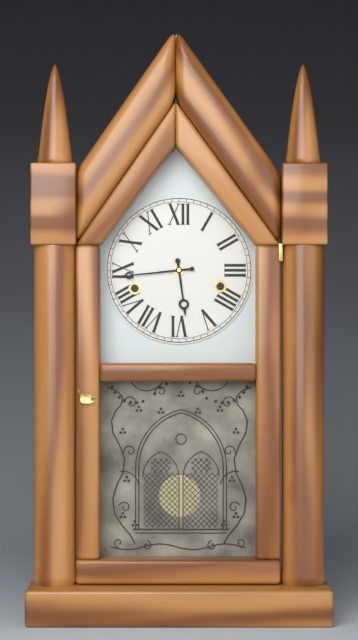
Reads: 5:44
